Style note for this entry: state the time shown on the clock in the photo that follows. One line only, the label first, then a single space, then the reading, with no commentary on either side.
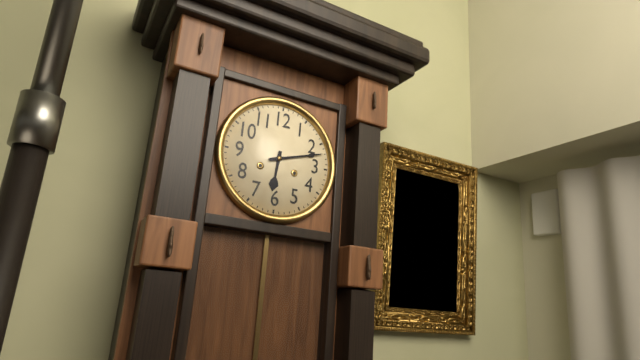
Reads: 6:12
